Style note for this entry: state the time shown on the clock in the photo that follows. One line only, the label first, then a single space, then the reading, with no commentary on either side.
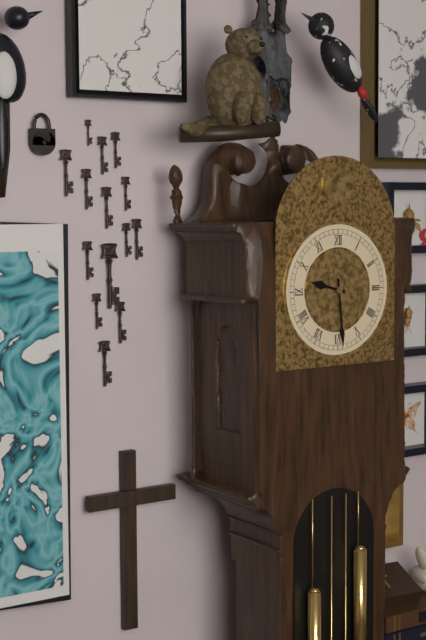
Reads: 9:29
